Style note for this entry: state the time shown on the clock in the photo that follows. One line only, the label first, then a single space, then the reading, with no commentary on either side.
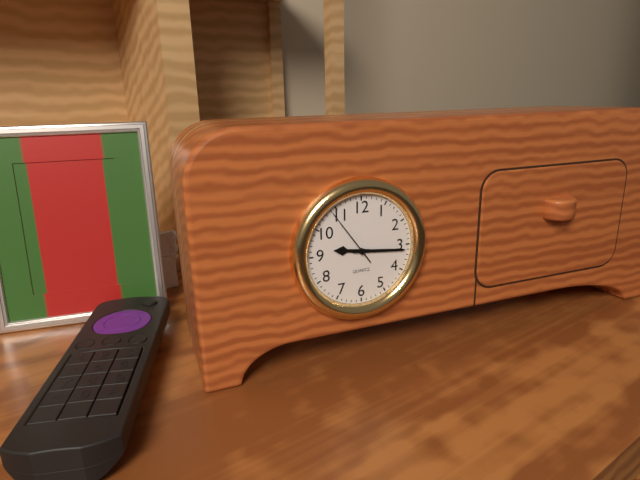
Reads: 9:16:54
